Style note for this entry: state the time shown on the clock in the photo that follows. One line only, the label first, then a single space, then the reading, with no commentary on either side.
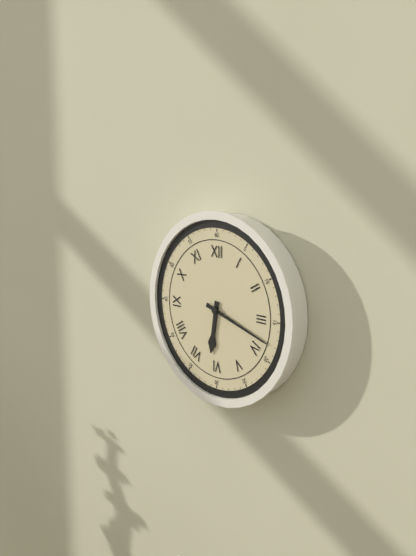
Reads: 6:18
